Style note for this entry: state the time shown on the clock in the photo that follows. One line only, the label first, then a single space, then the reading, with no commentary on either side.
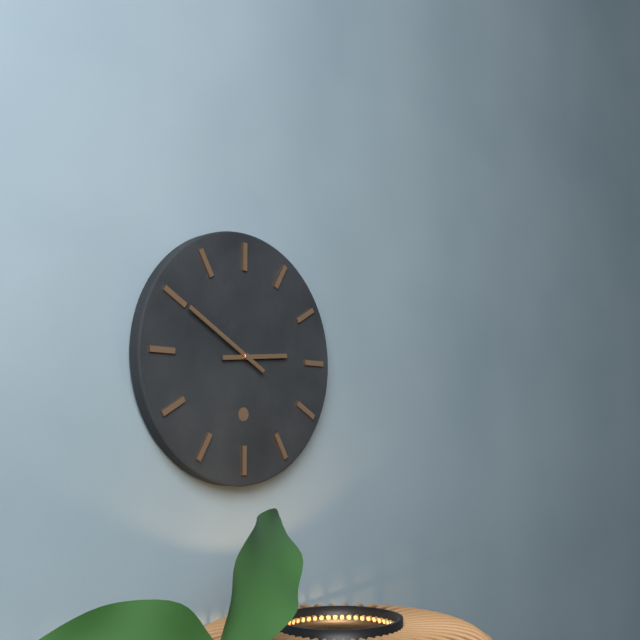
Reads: 2:50
